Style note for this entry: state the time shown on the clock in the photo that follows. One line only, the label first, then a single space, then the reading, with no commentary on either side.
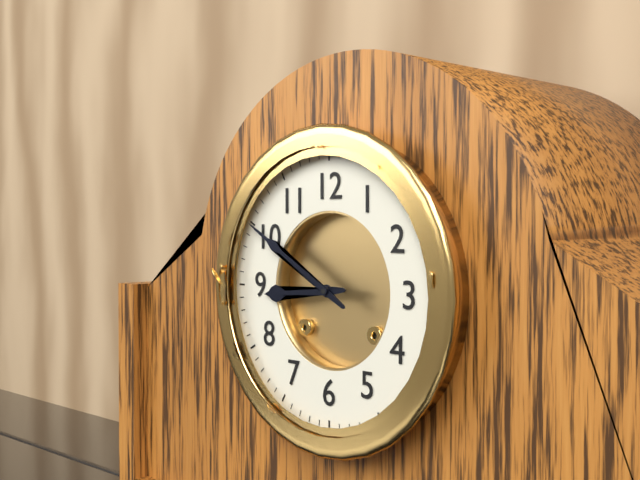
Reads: 8:50
